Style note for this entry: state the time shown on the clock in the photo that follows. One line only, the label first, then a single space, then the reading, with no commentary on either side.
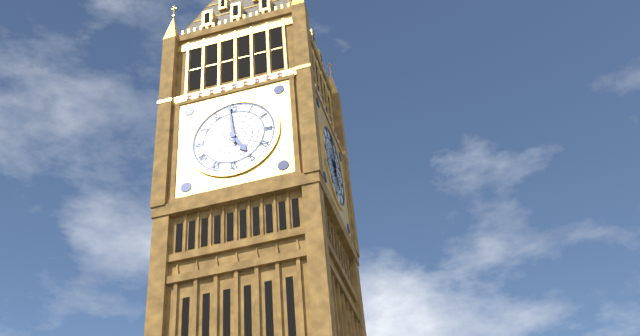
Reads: 4:59
